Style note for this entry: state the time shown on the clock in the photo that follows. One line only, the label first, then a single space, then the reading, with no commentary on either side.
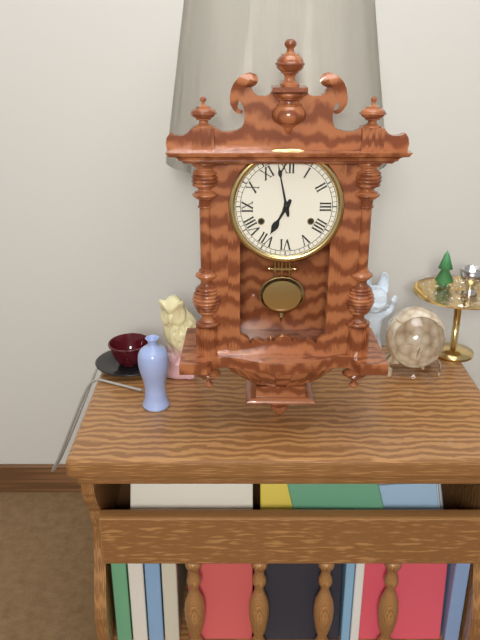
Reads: 6:58
